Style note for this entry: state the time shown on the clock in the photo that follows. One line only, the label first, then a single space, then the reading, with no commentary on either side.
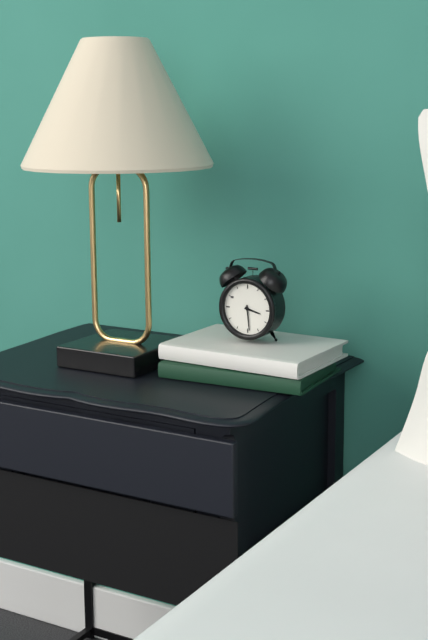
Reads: 3:29
